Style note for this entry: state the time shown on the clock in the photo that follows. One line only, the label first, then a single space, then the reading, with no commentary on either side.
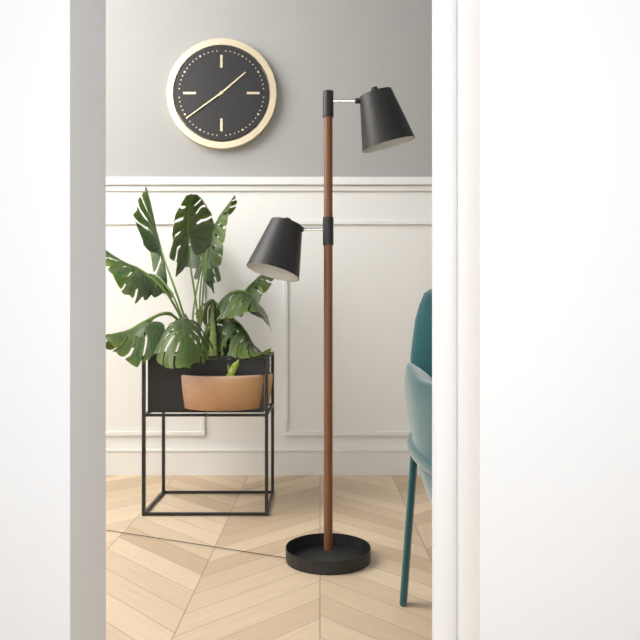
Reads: 1:39
